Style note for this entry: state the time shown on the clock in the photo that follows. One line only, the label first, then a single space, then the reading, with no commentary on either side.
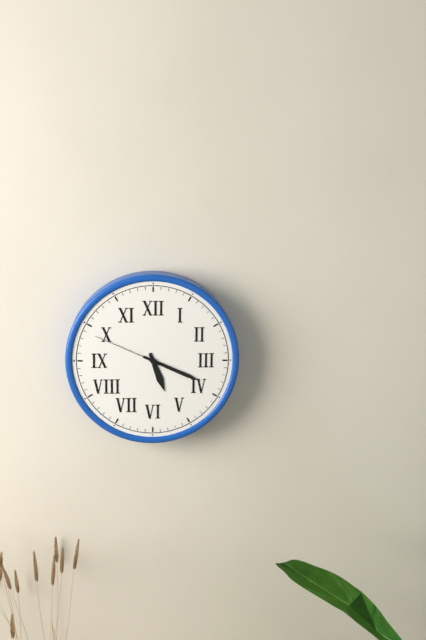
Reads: 5:19:49
